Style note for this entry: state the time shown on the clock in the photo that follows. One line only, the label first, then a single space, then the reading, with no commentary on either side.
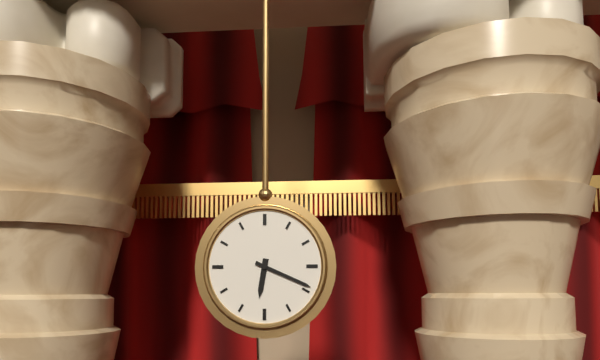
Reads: 6:19
